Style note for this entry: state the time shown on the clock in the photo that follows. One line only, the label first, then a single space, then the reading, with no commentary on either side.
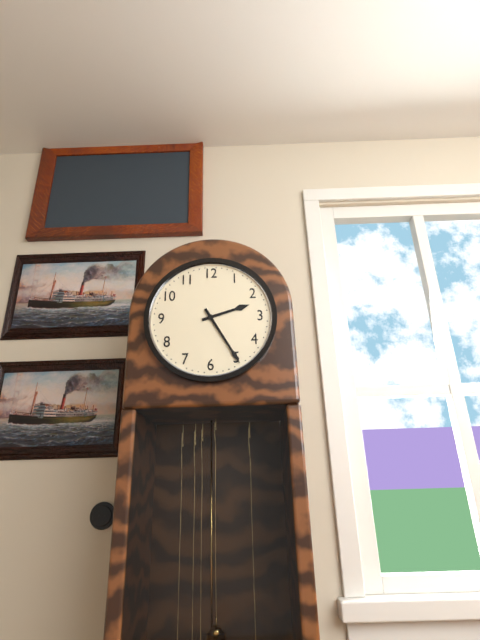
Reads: 2:25
